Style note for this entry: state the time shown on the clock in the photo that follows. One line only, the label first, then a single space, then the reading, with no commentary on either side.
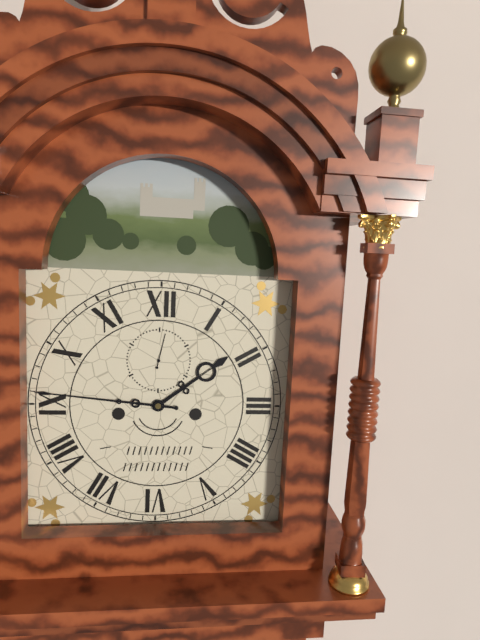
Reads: 1:46
